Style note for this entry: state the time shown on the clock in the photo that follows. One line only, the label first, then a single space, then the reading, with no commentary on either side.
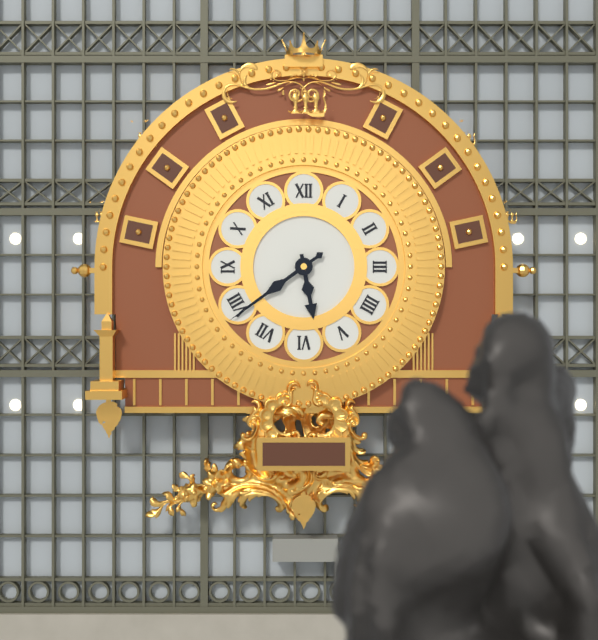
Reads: 5:39
